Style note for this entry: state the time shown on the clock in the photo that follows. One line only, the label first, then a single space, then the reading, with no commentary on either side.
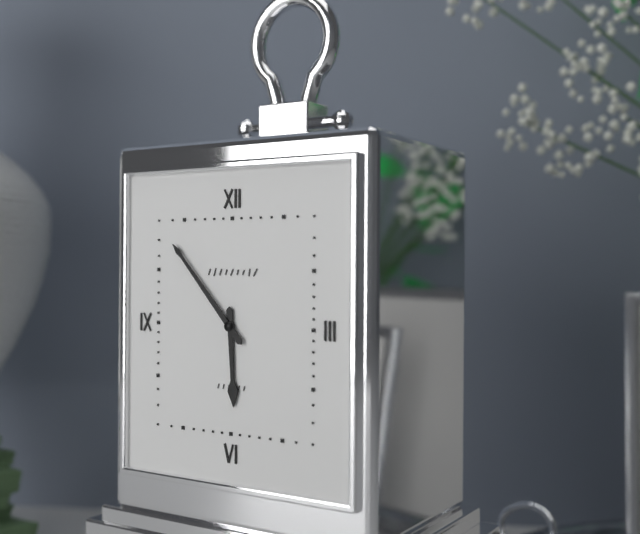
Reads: 5:53
